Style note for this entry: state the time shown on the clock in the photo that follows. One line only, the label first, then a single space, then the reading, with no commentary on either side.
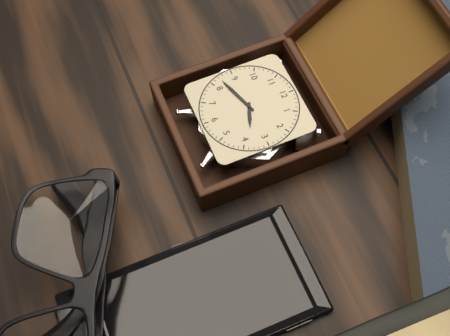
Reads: 3:42
